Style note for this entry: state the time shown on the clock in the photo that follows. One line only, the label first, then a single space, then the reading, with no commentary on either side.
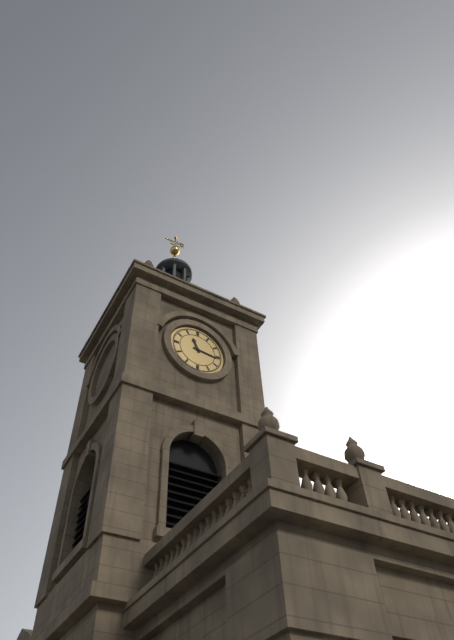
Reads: 11:16
